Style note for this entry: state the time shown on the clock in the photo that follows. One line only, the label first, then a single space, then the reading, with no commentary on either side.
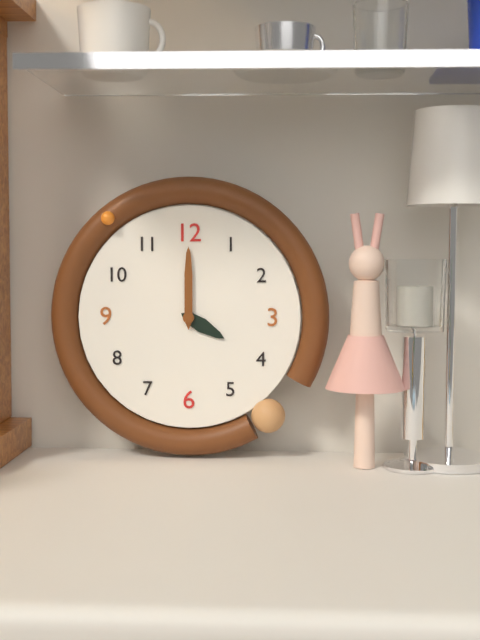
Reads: 4:00
